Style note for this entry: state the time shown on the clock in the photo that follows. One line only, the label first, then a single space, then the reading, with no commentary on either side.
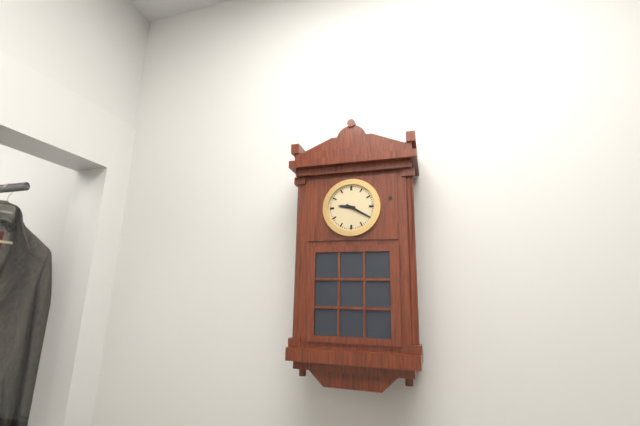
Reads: 9:20
